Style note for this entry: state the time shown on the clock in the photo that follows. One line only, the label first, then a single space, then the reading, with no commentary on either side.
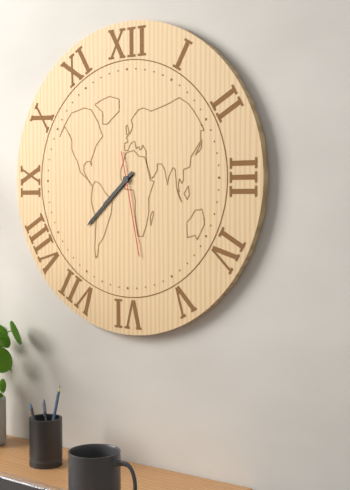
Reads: 7:38:28
